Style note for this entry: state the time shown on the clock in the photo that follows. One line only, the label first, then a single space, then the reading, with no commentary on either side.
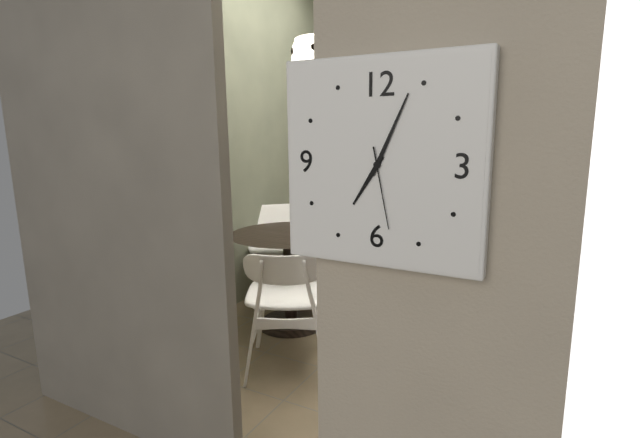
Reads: 7:04:28
